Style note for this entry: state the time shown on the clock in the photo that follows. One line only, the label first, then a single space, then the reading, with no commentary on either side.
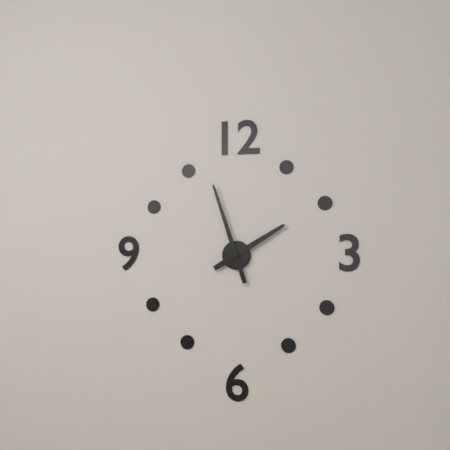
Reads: 1:57
